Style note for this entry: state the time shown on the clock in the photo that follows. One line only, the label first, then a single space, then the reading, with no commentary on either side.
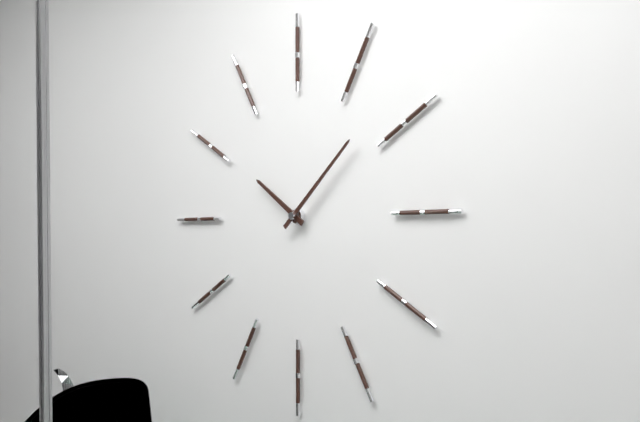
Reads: 10:08
